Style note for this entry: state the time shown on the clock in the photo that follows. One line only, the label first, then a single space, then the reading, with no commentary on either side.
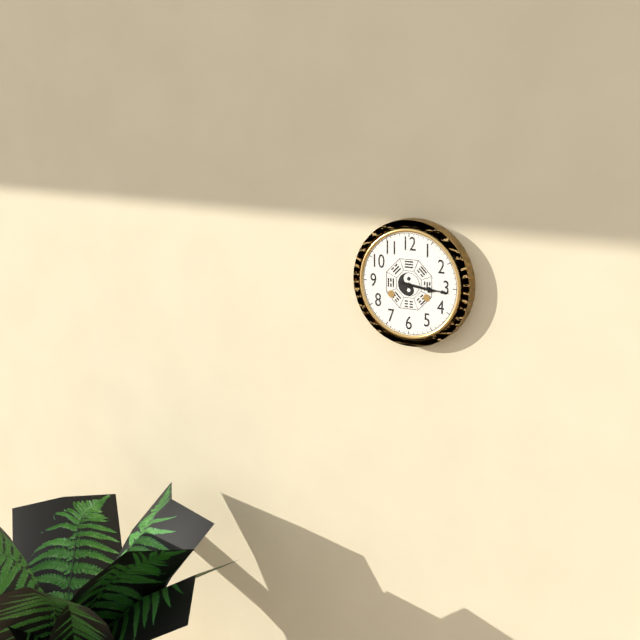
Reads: 3:16
